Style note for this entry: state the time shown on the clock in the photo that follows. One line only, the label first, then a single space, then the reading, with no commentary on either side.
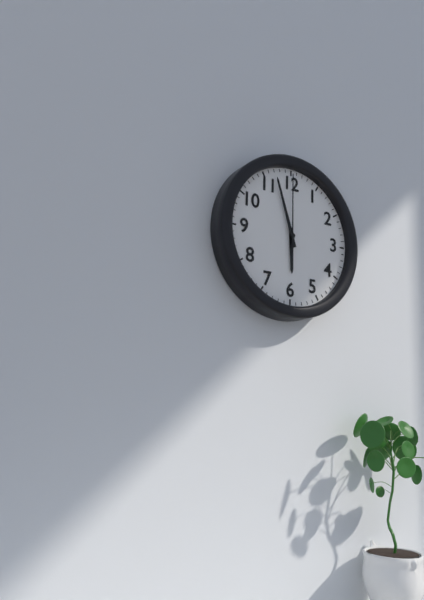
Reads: 5:57:00
